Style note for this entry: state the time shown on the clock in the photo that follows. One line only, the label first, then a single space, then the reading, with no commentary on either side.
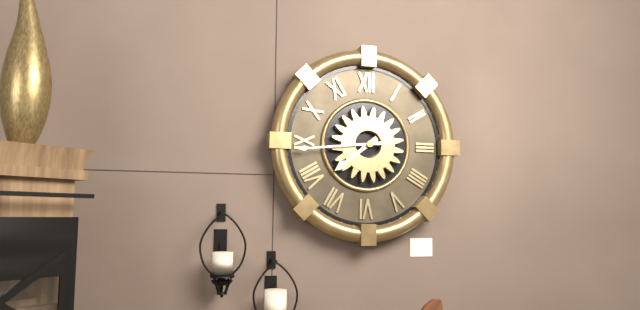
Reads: 7:44
